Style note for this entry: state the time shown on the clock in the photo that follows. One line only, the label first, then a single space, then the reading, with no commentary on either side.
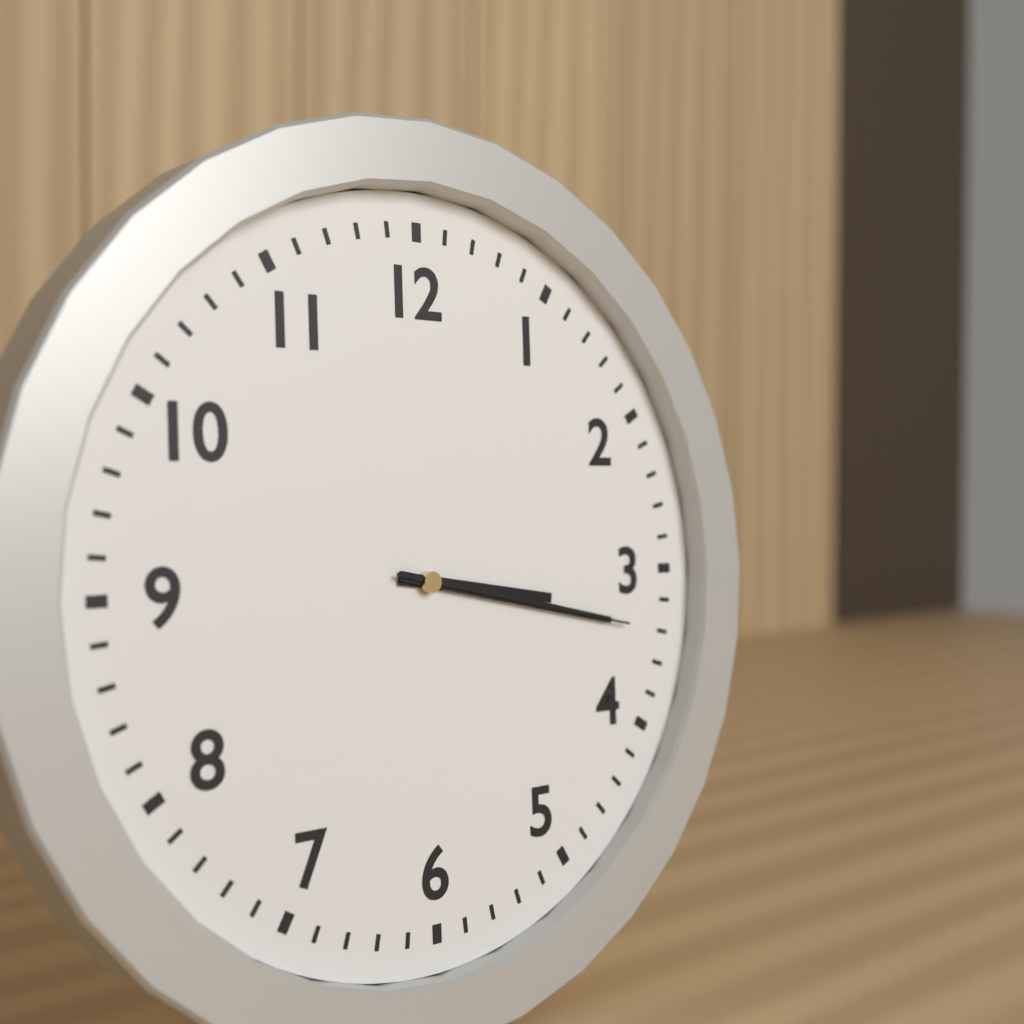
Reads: 3:17:17
